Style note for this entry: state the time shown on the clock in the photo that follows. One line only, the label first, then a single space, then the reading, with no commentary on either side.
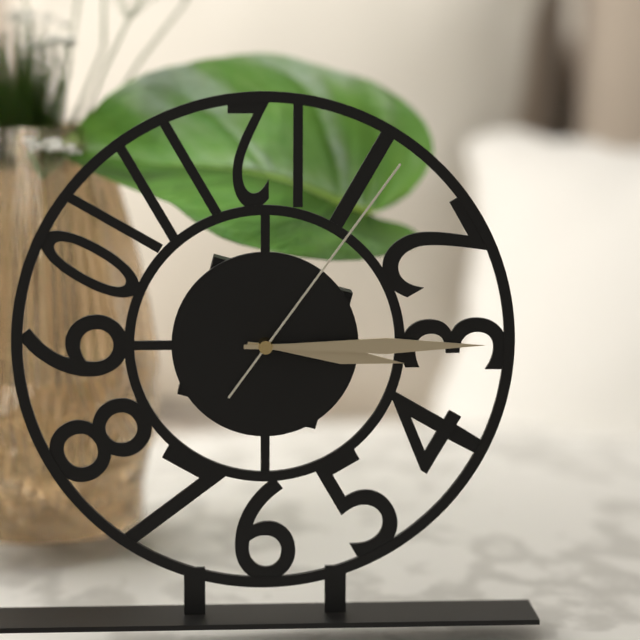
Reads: 3:15:06
